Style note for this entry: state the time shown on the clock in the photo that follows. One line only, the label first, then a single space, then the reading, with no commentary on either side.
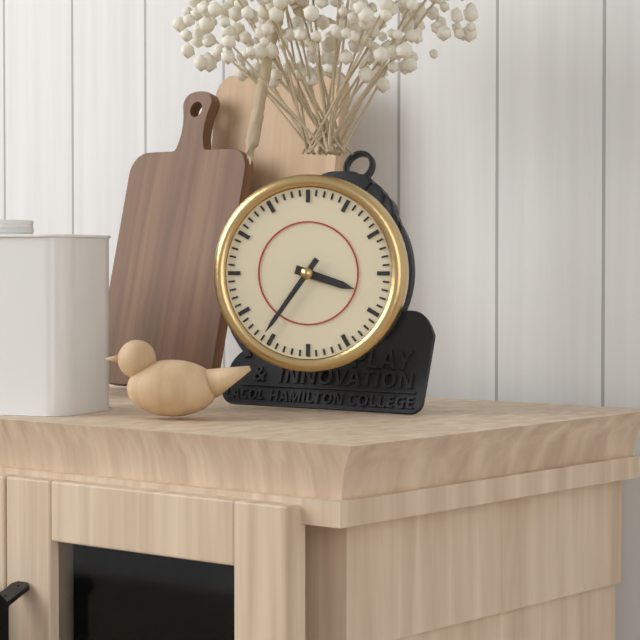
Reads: 3:36
